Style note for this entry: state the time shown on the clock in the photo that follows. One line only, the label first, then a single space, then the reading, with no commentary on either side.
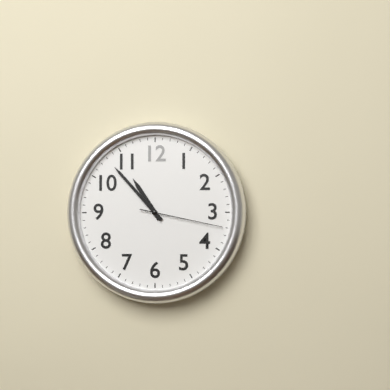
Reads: 10:53:17
